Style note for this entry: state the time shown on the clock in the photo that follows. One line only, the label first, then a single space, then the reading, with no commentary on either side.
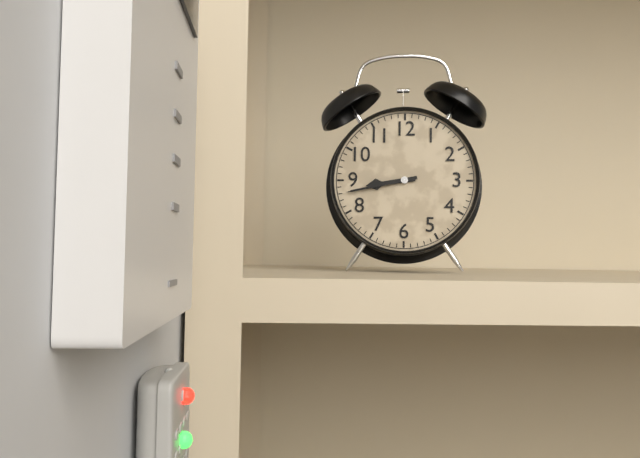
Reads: 8:43
